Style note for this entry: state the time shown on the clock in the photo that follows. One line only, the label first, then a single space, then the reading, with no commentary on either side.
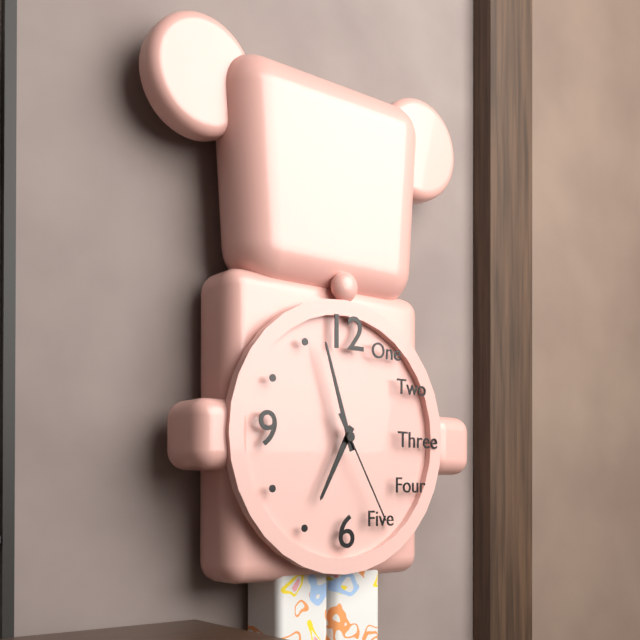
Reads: 6:57:25
